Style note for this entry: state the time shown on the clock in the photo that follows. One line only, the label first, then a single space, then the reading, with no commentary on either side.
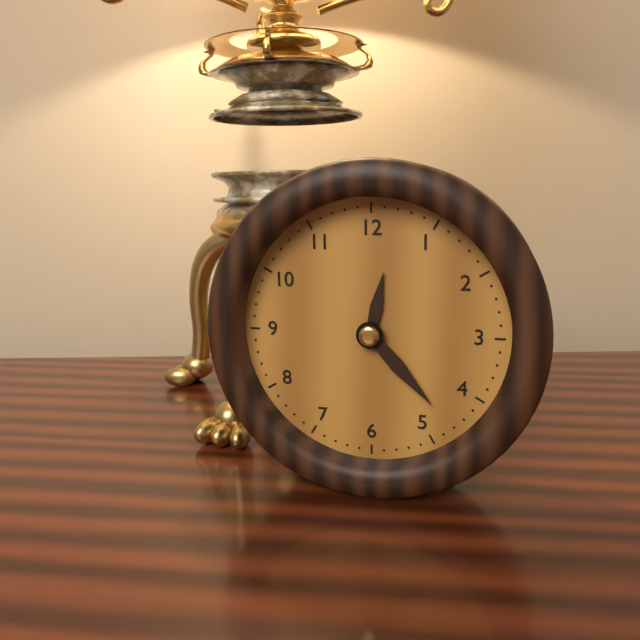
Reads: 12:23
